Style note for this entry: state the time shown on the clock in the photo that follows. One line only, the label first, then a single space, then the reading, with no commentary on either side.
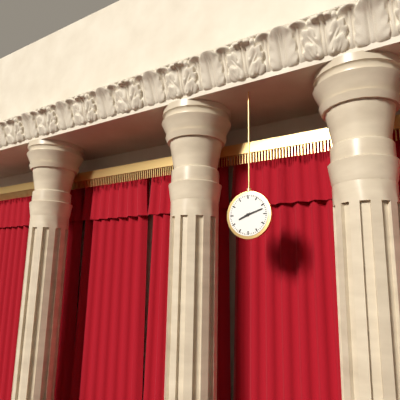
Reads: 8:12
